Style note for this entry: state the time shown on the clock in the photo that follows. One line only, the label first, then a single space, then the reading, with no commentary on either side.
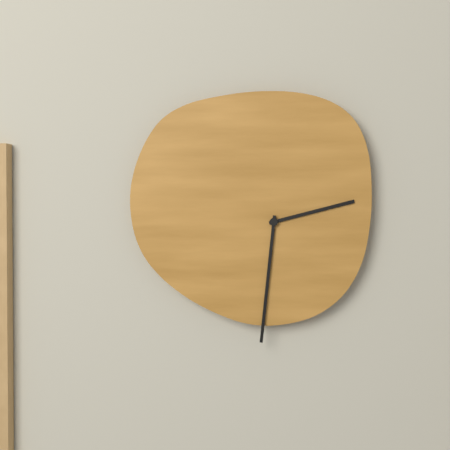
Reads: 2:31
